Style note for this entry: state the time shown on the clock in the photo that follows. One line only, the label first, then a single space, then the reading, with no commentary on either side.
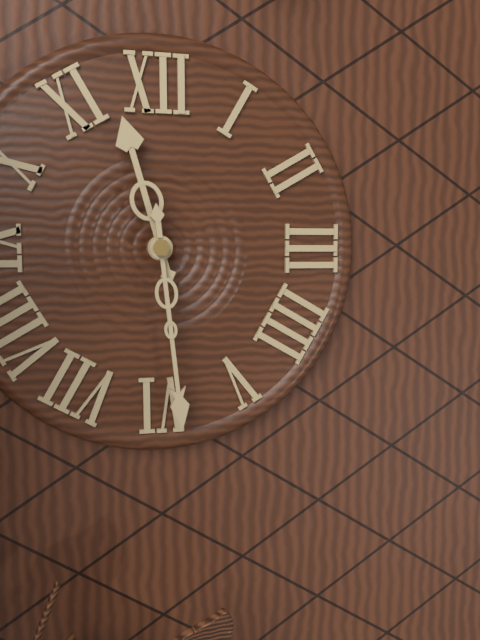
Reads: 11:29
